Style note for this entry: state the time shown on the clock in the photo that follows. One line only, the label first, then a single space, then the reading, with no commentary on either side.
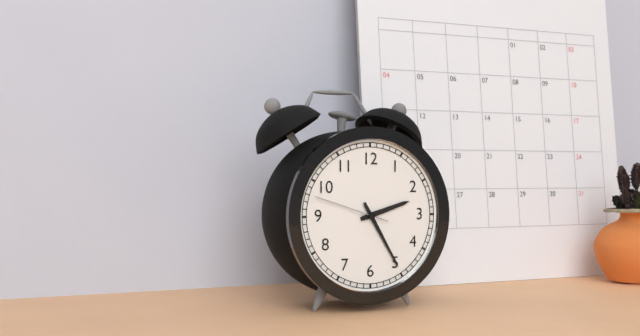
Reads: 2:25:48
